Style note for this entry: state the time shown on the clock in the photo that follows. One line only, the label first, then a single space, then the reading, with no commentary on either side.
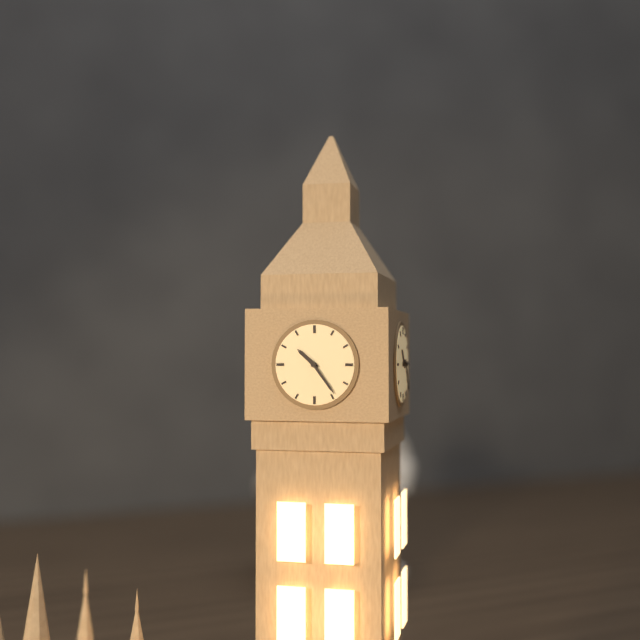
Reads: 10:24
